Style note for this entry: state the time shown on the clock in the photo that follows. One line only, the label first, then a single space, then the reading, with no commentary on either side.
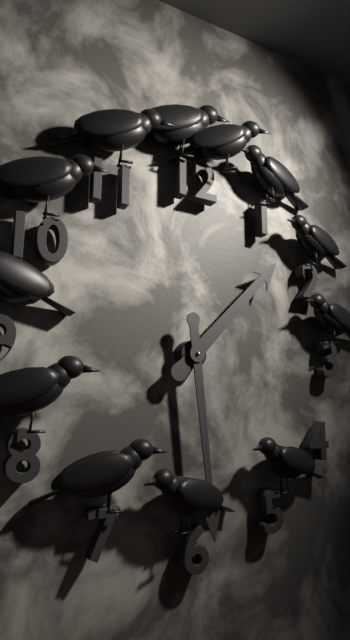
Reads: 1:29
